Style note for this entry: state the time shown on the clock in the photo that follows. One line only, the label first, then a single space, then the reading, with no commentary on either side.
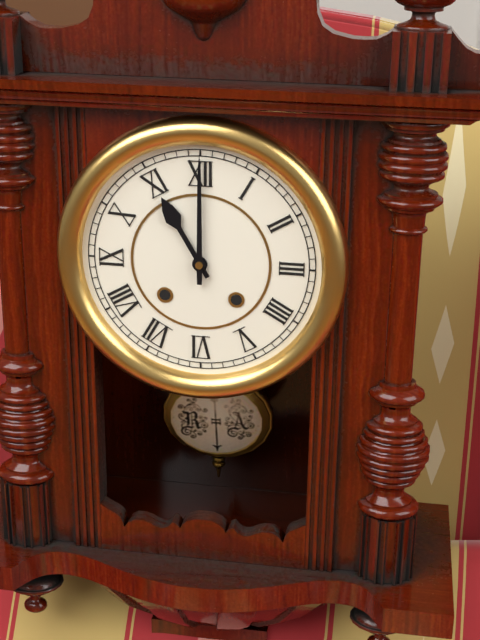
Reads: 11:00
